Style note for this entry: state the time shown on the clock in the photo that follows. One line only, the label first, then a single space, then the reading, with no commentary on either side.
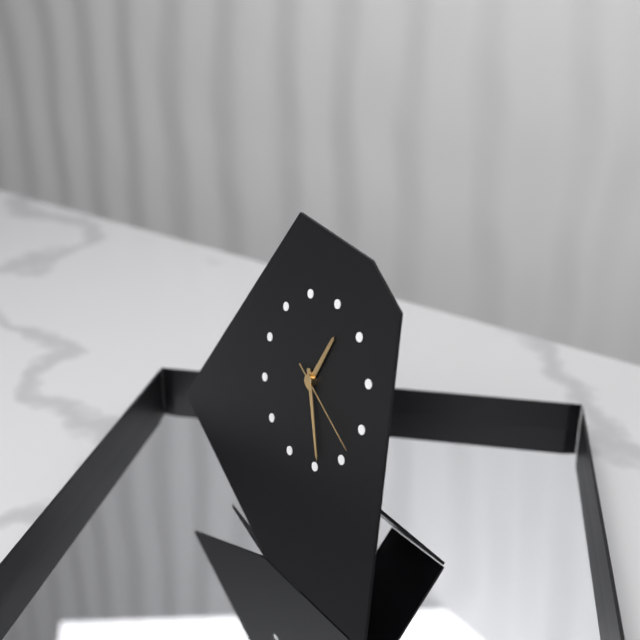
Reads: 12:24:18
